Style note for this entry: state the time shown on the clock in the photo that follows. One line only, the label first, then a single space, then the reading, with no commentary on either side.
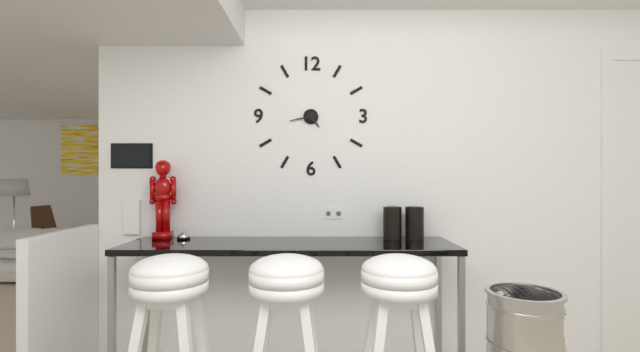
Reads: 4:43
